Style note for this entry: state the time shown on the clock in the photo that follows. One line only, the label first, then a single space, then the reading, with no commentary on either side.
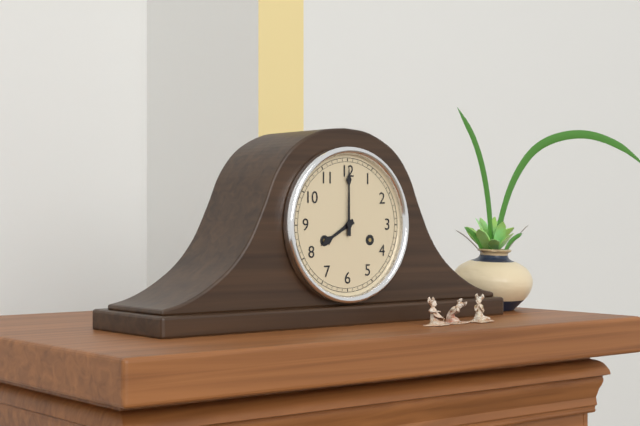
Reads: 8:00
